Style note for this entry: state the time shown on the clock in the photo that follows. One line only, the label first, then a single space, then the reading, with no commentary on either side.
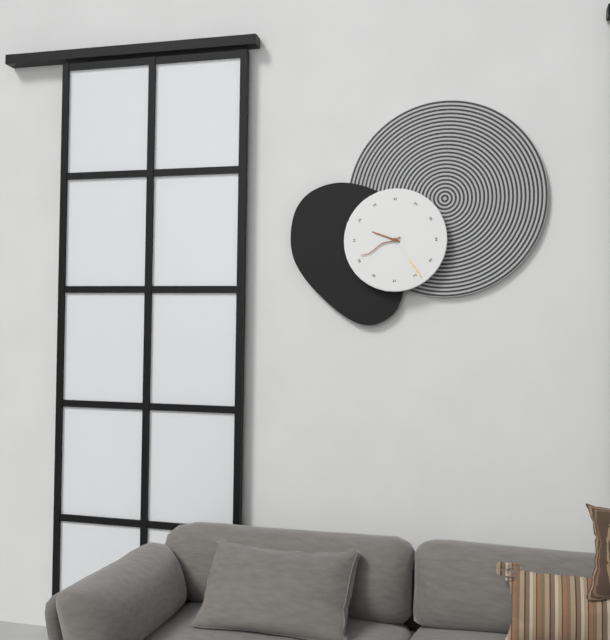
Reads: 9:41:24
